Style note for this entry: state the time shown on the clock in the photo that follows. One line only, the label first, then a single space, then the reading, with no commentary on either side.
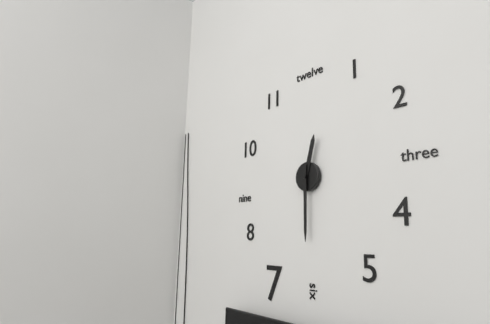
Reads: 12:30
